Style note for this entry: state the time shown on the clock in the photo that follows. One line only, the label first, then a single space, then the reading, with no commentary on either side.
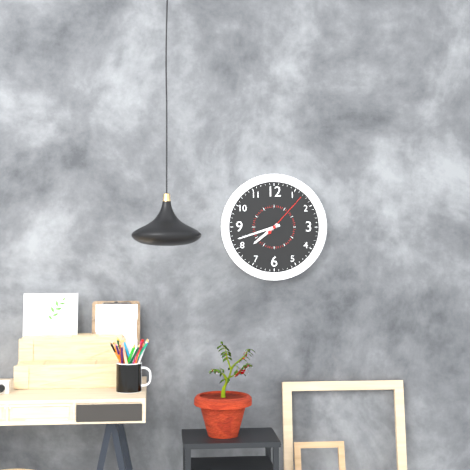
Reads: 7:42:07
